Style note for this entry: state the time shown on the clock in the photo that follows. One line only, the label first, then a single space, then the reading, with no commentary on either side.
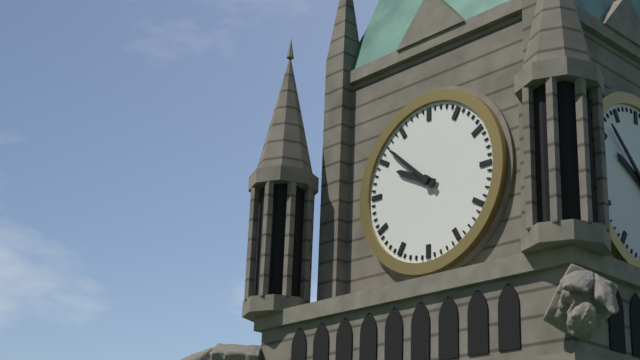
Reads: 9:52
